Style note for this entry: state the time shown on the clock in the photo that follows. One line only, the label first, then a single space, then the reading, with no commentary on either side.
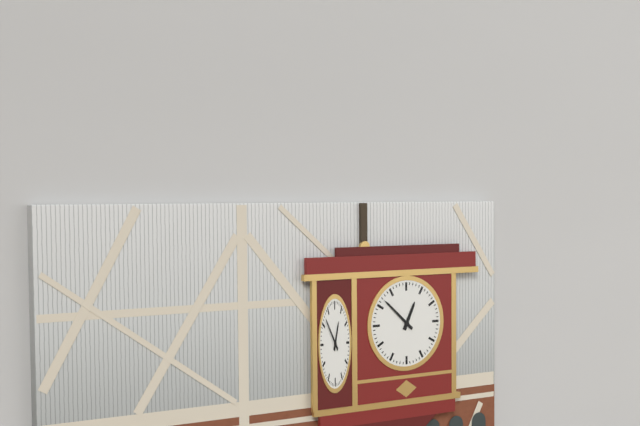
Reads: 12:52
